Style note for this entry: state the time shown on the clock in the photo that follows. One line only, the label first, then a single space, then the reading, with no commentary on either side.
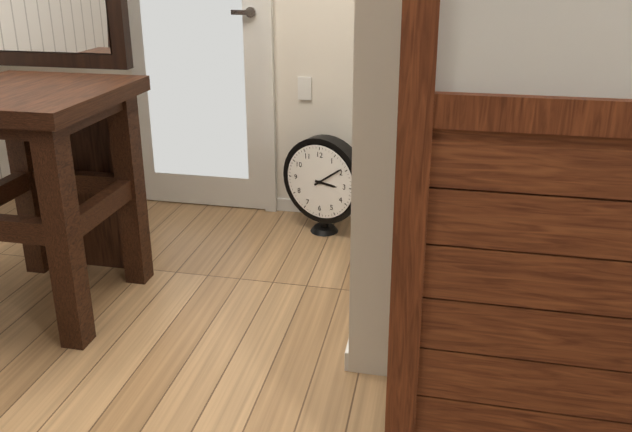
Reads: 3:09
